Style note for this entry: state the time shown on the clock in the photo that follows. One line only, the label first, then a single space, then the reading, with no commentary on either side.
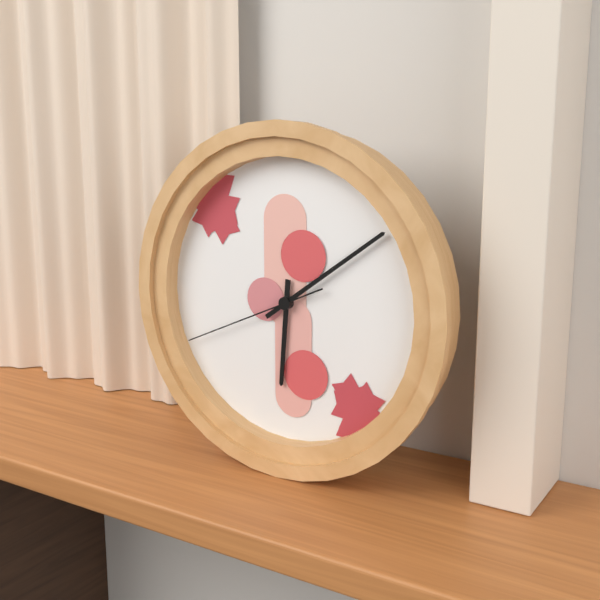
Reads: 6:09:41
